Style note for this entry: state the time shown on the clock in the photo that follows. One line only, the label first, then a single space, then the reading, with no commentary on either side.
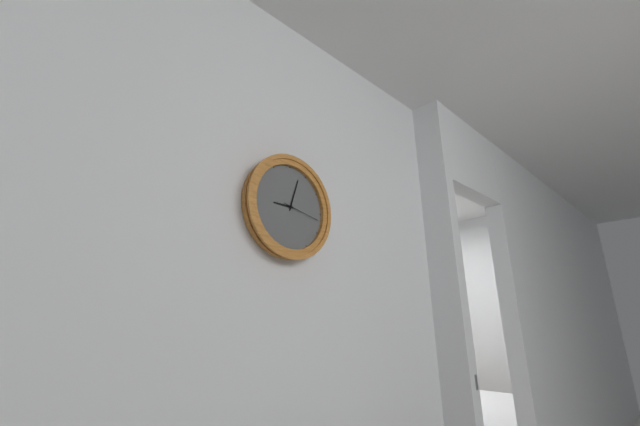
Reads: 9:03
